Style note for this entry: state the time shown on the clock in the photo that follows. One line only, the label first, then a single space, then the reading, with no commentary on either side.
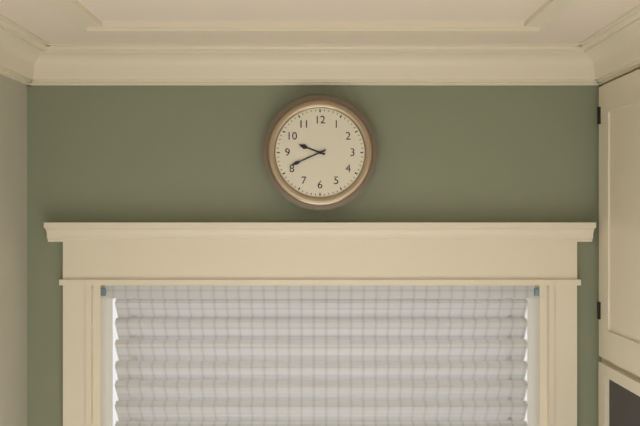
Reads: 9:41
